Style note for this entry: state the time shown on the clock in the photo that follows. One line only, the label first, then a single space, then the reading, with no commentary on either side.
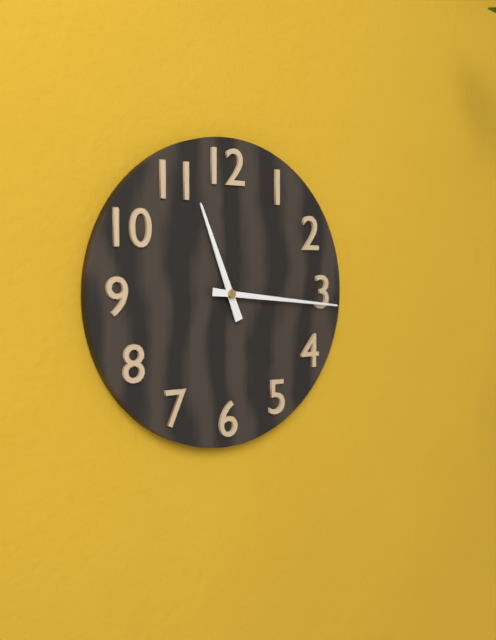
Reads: 11:16
